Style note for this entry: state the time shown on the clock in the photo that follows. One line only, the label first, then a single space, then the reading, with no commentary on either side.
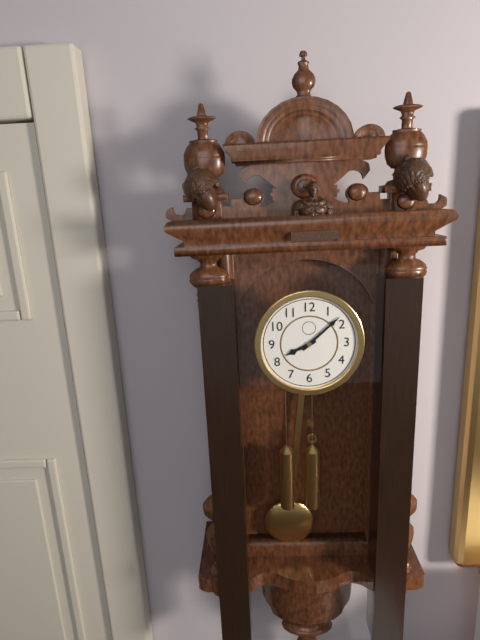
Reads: 8:08
